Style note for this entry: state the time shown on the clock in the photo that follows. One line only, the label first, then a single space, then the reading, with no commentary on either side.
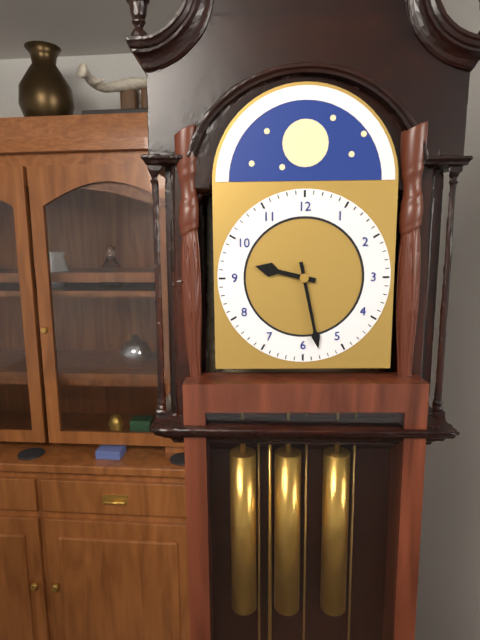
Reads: 9:28
